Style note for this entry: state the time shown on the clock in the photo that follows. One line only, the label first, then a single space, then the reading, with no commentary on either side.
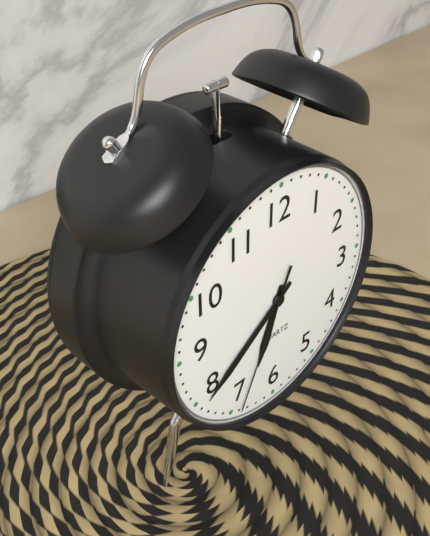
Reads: 6:39:34
